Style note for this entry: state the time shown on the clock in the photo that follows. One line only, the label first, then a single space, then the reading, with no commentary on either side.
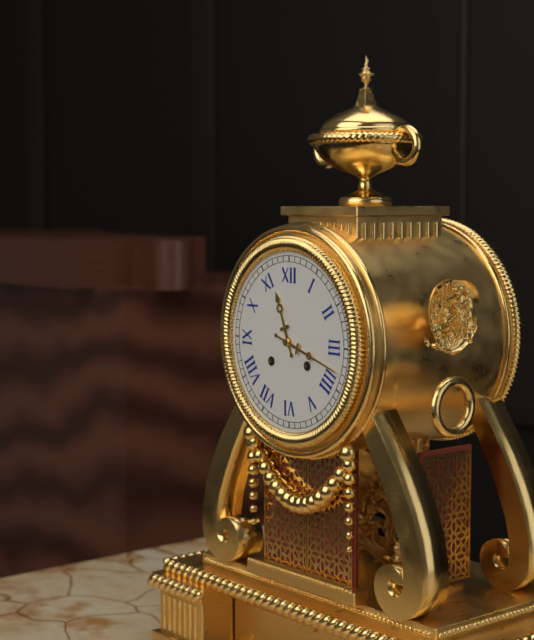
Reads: 11:18
